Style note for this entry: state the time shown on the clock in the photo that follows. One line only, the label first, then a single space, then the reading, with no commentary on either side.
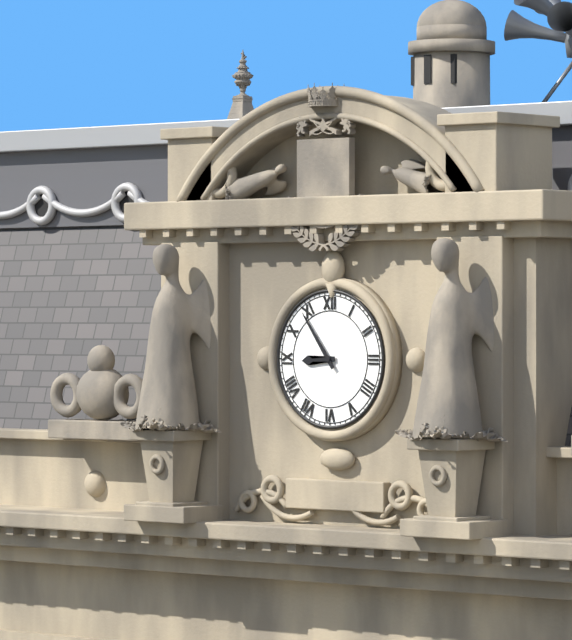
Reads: 8:54
